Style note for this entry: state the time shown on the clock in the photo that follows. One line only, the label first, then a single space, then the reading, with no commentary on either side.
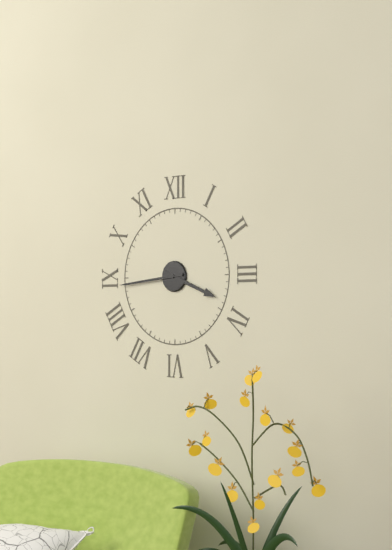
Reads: 3:44
